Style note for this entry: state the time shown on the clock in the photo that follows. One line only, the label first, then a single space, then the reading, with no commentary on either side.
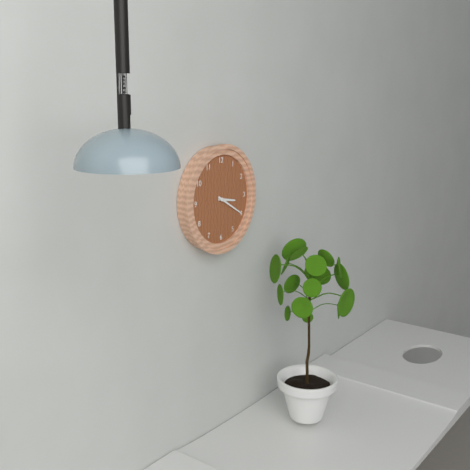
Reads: 3:20
